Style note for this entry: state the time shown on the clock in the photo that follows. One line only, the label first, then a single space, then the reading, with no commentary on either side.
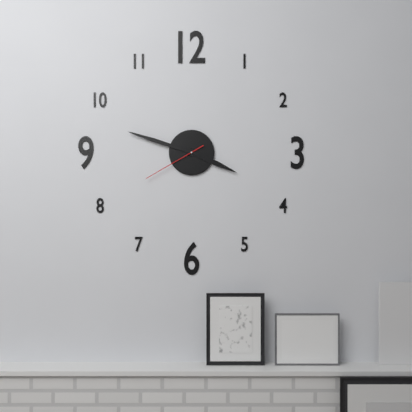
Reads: 3:48:40
